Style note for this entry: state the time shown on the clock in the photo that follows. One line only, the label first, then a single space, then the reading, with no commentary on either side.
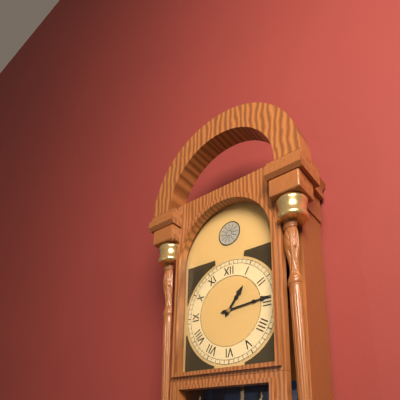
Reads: 1:14
